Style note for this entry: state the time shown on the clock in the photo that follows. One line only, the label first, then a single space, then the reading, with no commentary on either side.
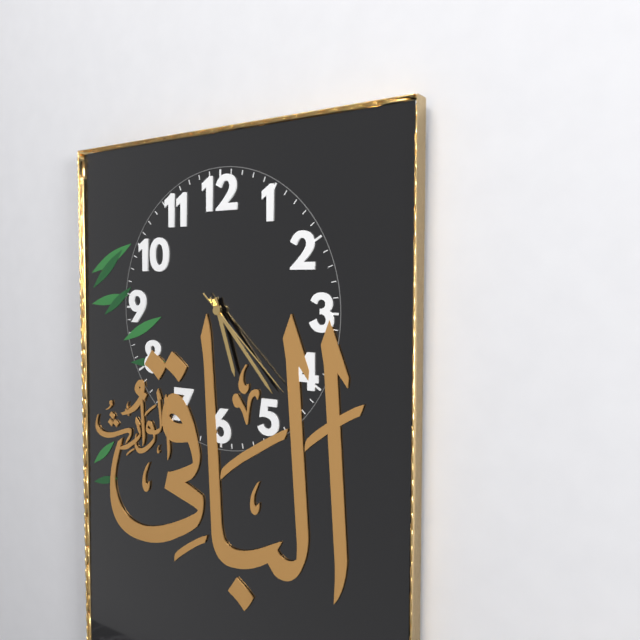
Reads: 5:23:22
